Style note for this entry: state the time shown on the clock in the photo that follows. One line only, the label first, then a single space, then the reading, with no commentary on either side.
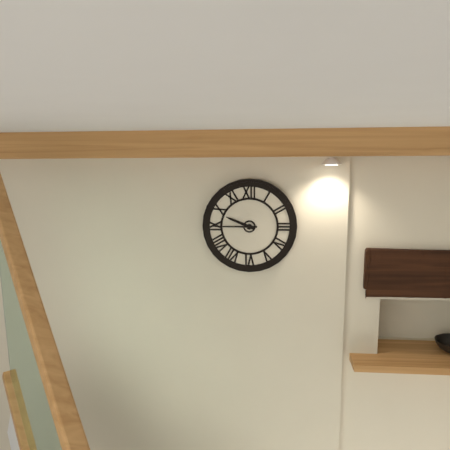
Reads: 9:45
